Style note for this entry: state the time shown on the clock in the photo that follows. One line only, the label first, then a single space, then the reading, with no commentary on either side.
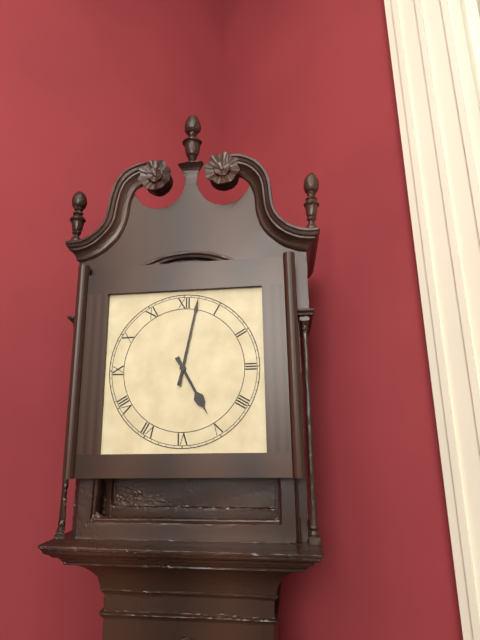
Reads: 5:02
